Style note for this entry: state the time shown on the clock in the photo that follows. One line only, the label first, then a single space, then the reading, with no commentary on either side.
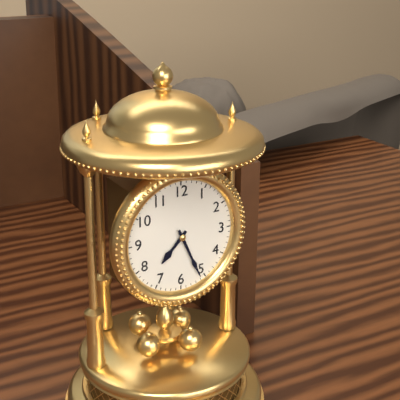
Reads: 7:26
